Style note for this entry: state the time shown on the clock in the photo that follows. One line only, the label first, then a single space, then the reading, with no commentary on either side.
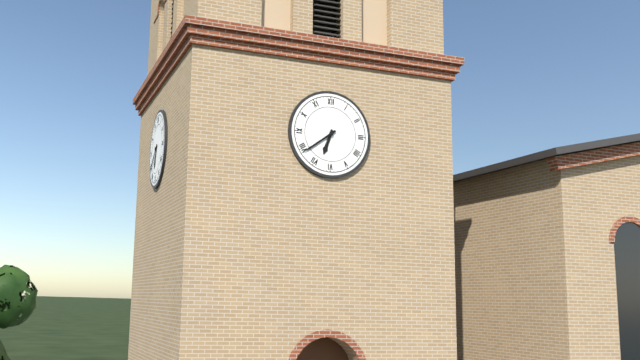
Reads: 6:39
